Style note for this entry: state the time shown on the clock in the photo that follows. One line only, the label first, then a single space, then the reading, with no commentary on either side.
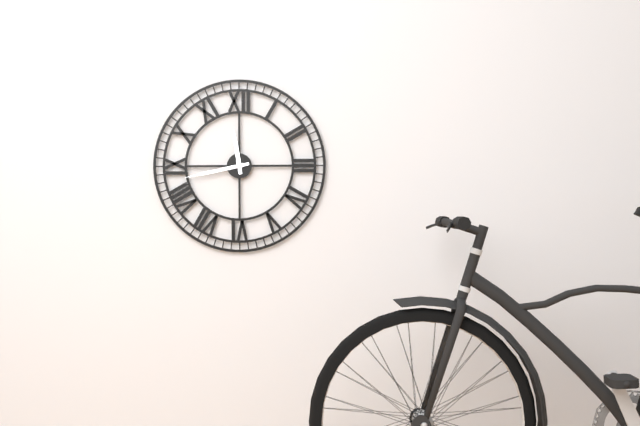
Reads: 11:43
